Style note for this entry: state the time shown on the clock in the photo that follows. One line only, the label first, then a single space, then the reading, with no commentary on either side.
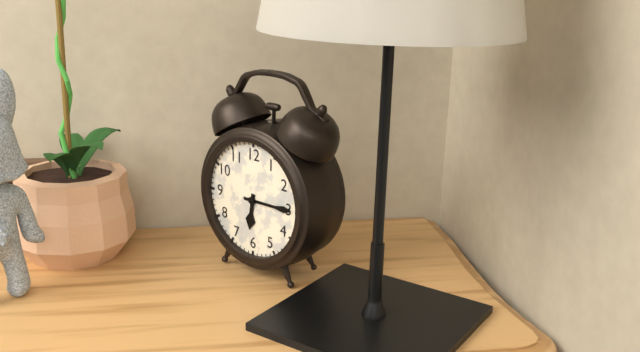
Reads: 6:15
